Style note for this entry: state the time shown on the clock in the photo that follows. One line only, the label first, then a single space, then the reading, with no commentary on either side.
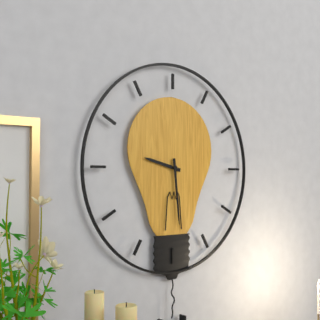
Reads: 9:29
